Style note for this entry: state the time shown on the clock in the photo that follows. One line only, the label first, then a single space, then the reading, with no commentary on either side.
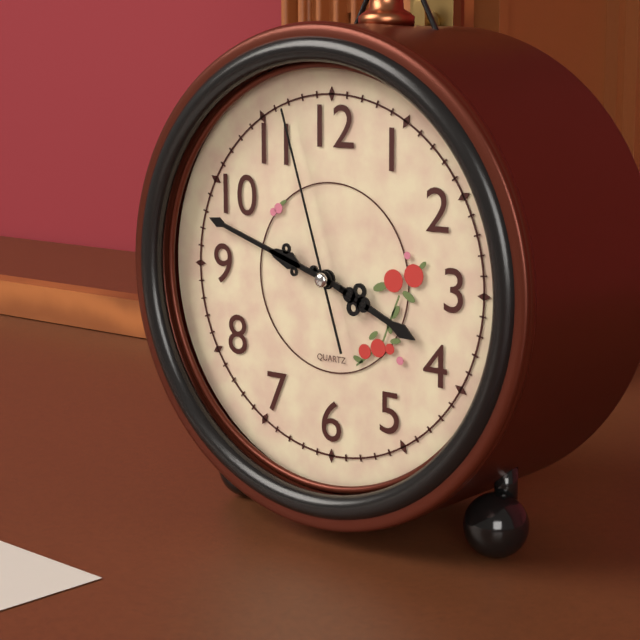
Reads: 3:48:57
